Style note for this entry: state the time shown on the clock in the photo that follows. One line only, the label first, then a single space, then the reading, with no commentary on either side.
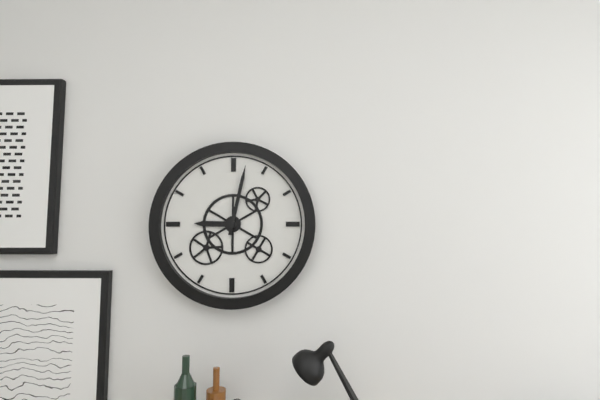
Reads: 9:02
